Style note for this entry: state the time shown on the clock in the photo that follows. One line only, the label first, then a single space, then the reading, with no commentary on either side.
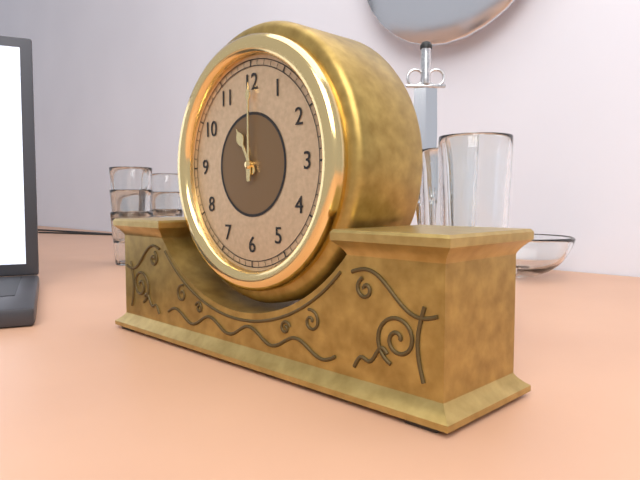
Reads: 11:00
